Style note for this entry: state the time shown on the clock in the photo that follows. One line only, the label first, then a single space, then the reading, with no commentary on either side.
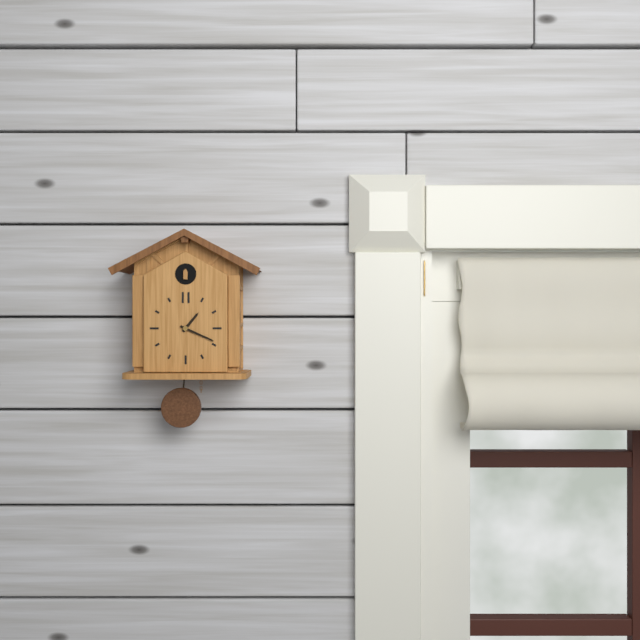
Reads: 1:19
